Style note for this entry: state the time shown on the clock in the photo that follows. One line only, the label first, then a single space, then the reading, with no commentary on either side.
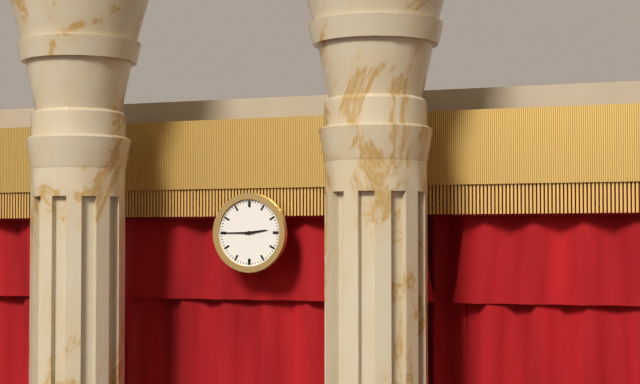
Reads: 2:45
